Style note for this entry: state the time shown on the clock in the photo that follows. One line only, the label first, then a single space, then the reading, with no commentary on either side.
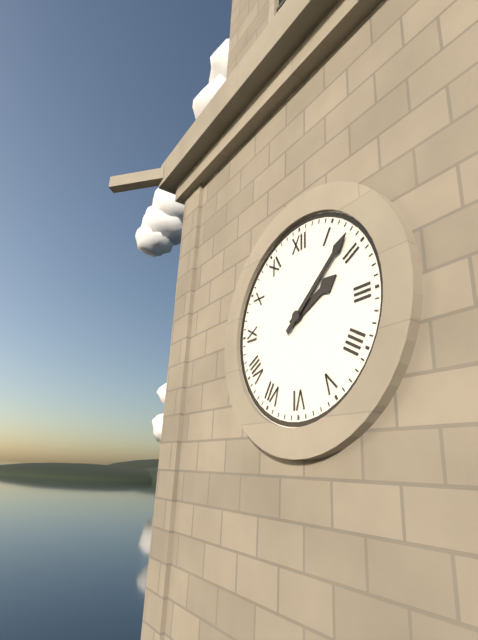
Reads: 2:08
